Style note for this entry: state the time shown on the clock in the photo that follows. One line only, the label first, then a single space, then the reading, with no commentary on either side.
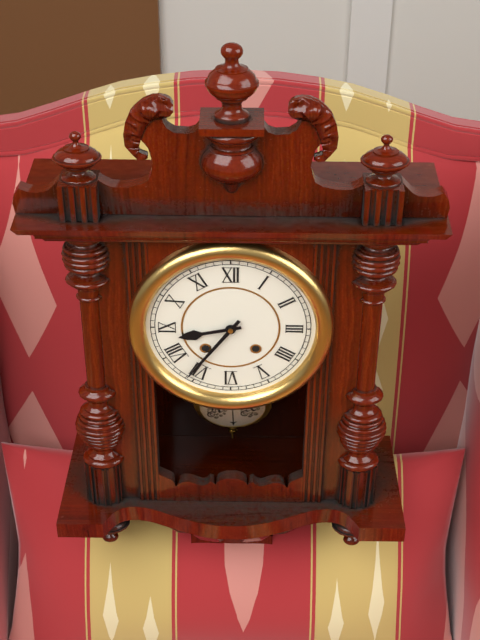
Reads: 8:36
